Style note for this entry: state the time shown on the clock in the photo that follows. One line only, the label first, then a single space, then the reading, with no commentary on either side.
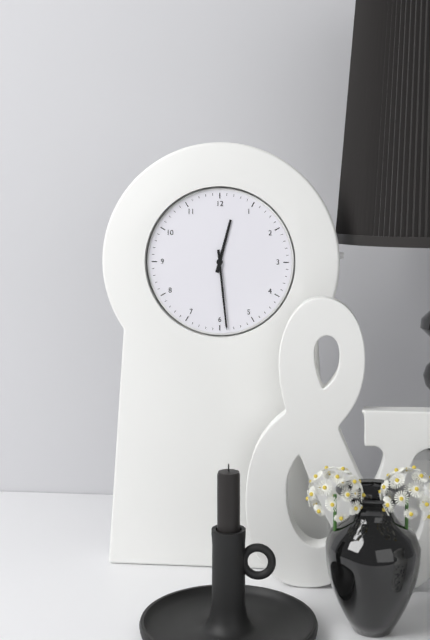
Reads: 12:29
